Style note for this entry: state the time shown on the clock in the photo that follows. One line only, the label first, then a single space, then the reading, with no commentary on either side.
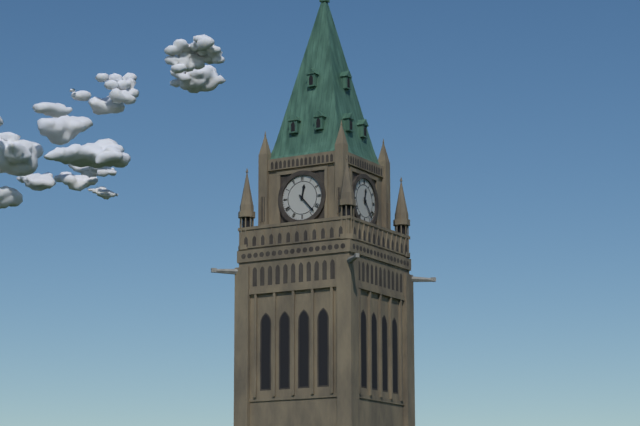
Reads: 12:23
